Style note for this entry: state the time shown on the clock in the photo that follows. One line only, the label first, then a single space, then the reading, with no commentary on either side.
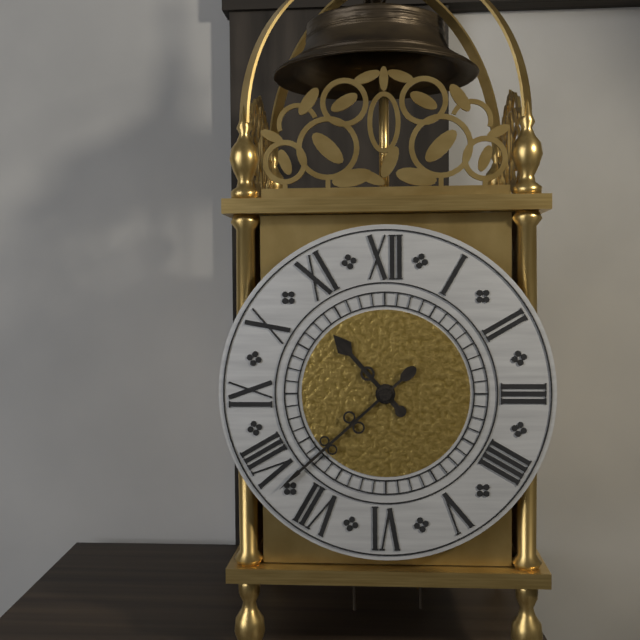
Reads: 10:38
